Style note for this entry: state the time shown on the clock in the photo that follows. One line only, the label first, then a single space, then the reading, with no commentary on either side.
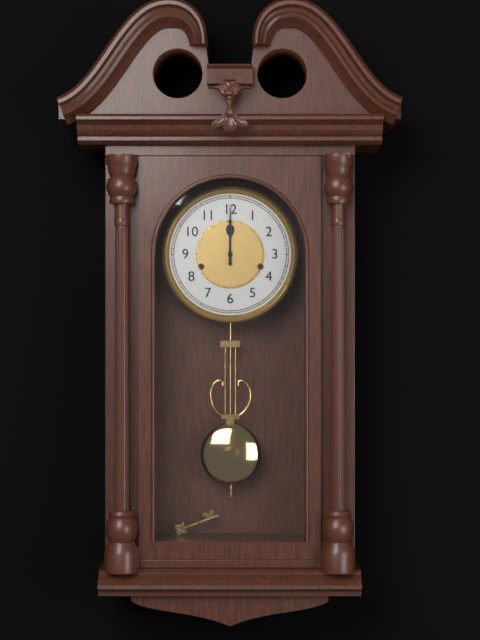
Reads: 12:00
